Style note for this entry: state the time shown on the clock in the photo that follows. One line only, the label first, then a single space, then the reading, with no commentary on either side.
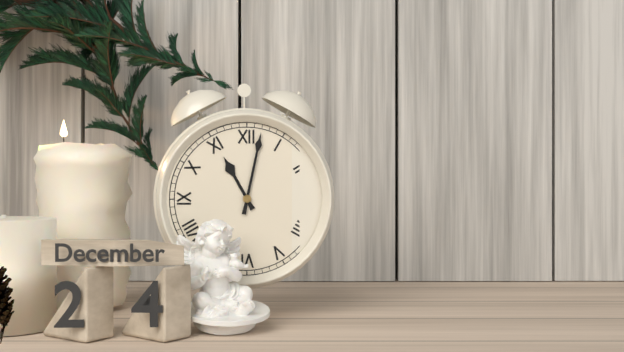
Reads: 11:02
